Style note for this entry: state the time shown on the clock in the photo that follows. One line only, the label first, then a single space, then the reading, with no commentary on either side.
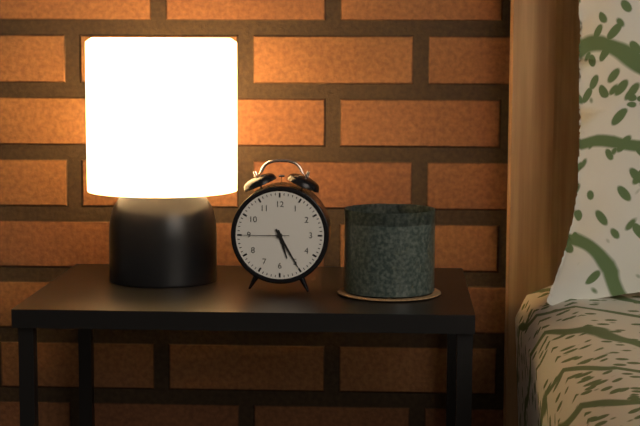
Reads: 5:25
